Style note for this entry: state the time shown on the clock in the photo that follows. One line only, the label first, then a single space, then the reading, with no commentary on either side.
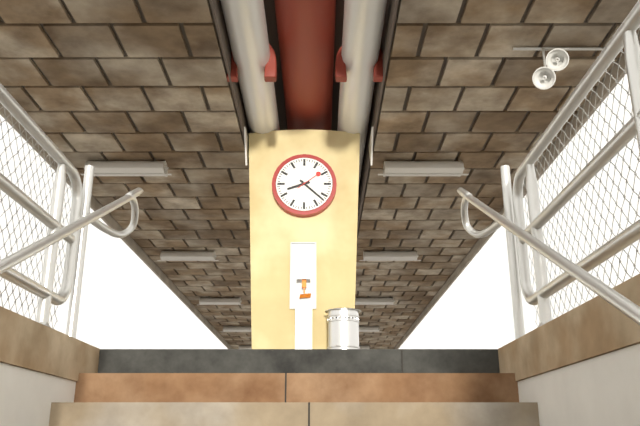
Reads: 8:22
